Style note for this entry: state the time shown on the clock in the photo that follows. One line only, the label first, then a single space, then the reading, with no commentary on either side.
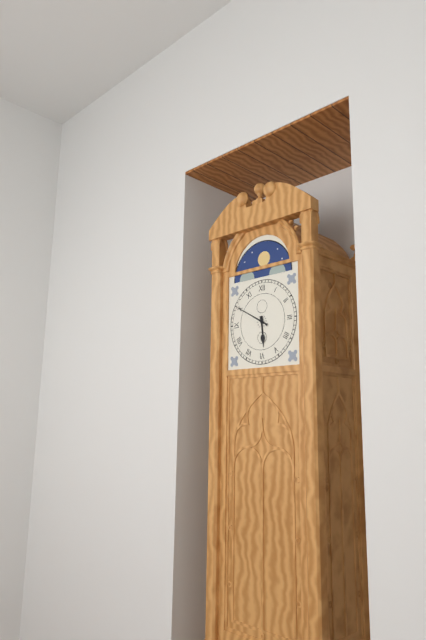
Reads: 5:50
